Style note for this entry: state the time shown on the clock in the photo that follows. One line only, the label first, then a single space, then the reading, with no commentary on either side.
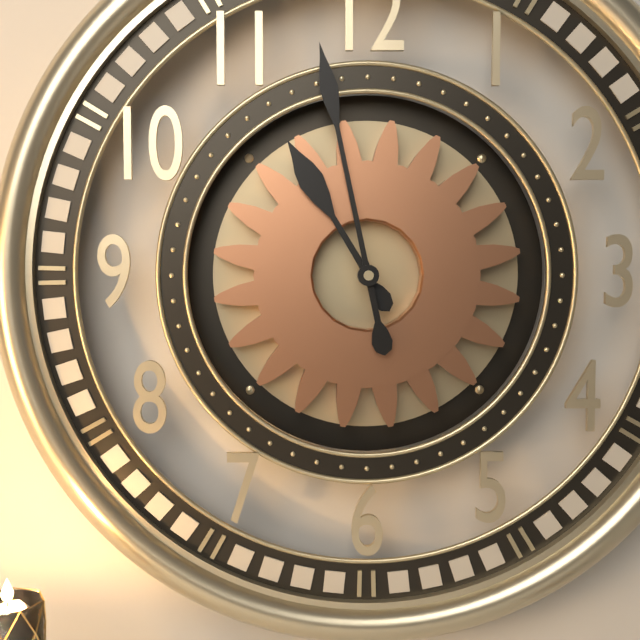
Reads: 10:58
